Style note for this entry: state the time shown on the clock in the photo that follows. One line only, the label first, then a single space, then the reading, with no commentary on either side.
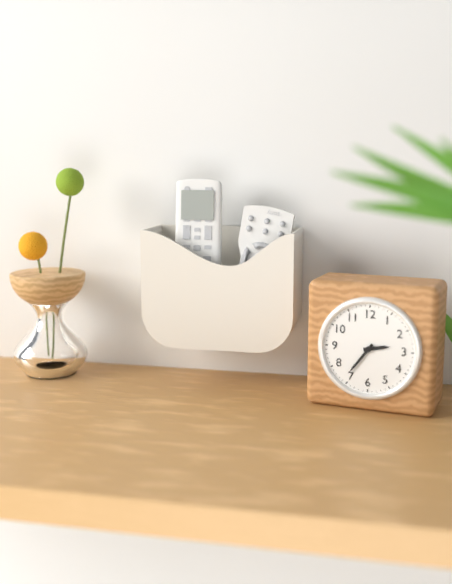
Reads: 2:36
